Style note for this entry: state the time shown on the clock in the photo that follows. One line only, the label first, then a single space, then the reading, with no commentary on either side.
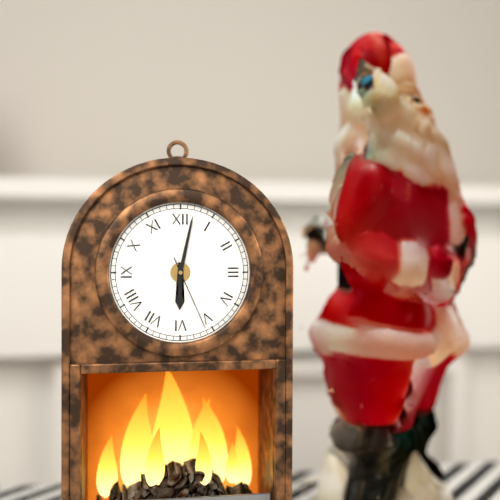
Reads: 6:02:26
